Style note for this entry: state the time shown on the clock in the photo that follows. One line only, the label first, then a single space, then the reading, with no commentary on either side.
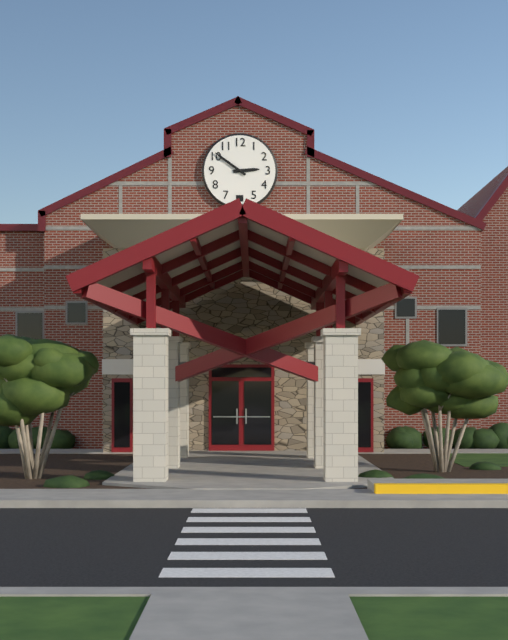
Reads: 2:51
